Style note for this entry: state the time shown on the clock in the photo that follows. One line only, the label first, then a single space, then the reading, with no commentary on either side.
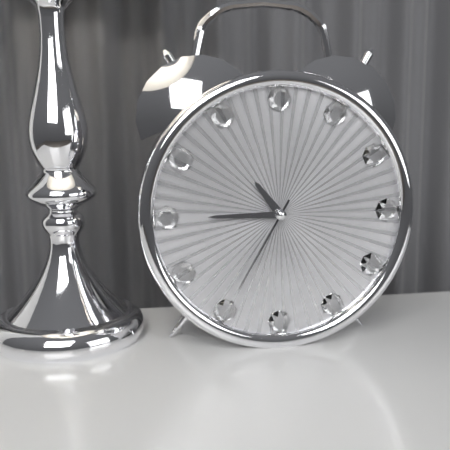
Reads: 10:45:35
